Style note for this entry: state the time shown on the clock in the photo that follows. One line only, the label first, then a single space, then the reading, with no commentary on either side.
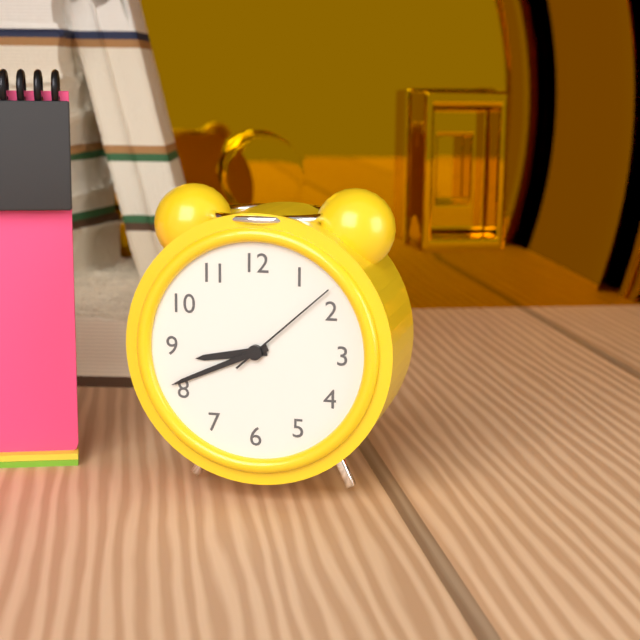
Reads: 8:41:08
